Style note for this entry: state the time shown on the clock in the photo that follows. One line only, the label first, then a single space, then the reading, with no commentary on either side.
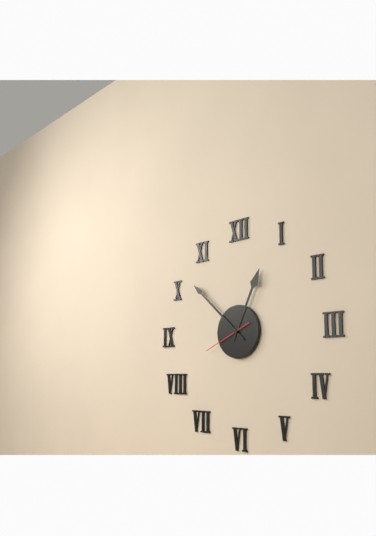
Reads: 12:52
